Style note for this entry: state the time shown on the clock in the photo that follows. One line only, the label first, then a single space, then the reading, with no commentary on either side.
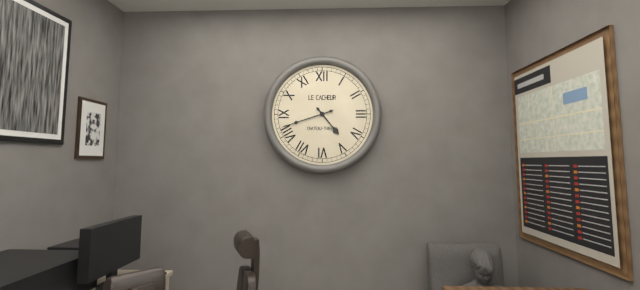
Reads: 4:42
